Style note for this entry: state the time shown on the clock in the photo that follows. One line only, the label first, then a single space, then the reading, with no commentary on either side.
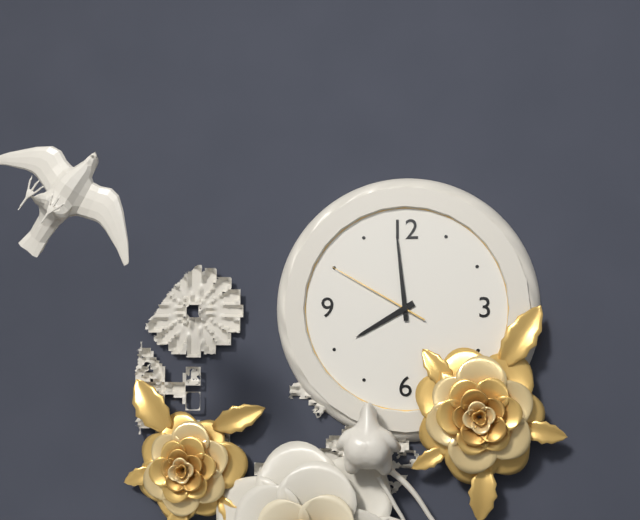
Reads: 7:59:50
